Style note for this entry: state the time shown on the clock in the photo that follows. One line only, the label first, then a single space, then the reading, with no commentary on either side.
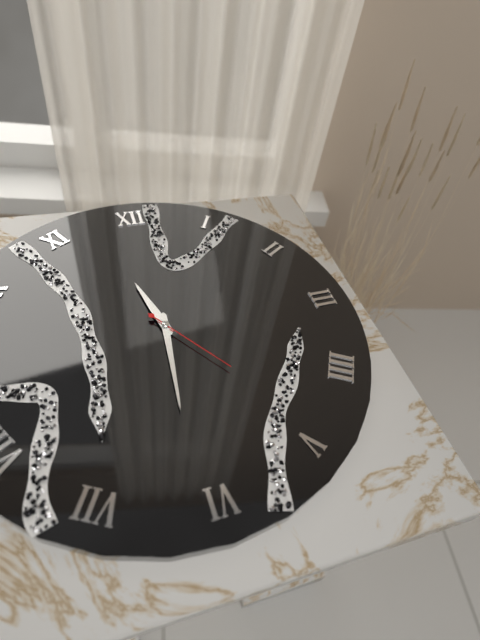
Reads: 11:31:24
